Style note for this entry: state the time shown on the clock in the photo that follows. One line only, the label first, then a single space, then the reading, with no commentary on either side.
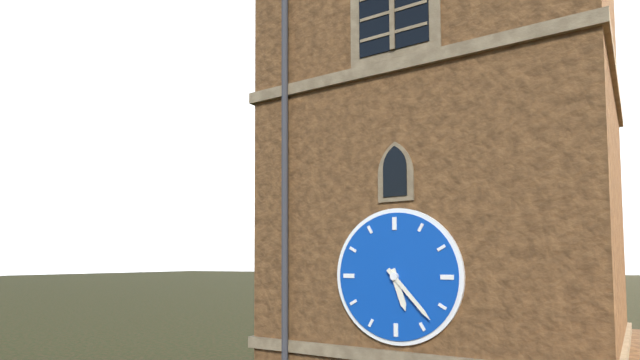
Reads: 5:23
